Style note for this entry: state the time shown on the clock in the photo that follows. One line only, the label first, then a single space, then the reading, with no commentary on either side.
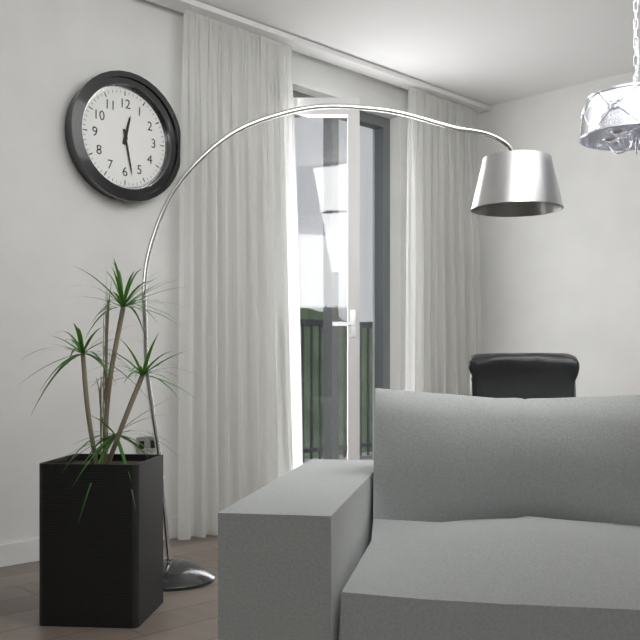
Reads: 12:28
